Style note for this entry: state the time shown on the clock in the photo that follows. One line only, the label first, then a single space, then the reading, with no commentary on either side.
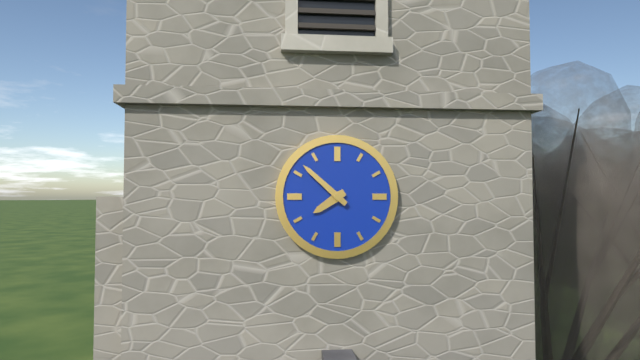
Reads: 7:52
